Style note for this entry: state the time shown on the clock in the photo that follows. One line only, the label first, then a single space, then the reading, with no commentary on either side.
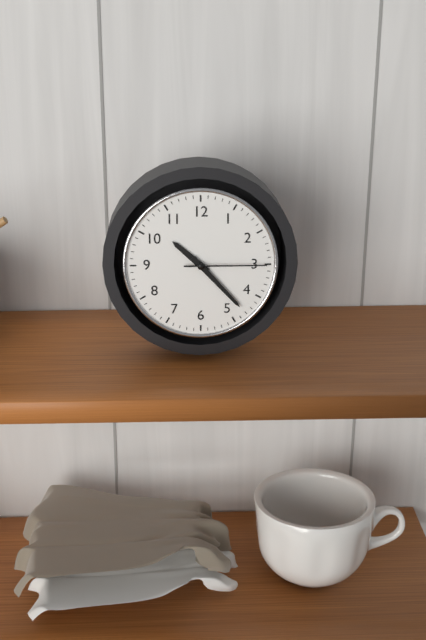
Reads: 10:23:15
